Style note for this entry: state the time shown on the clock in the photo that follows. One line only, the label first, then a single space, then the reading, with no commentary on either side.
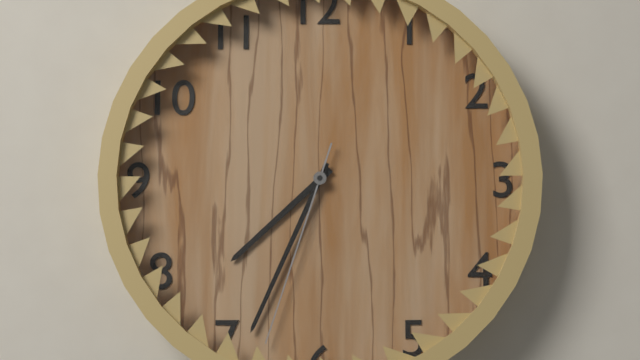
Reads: 7:34:33
